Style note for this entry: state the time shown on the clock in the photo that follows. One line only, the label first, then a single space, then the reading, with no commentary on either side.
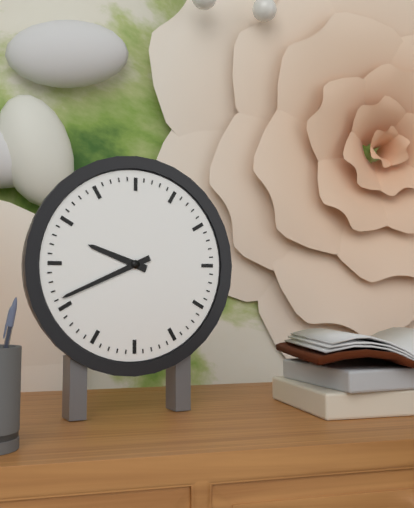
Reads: 9:41
